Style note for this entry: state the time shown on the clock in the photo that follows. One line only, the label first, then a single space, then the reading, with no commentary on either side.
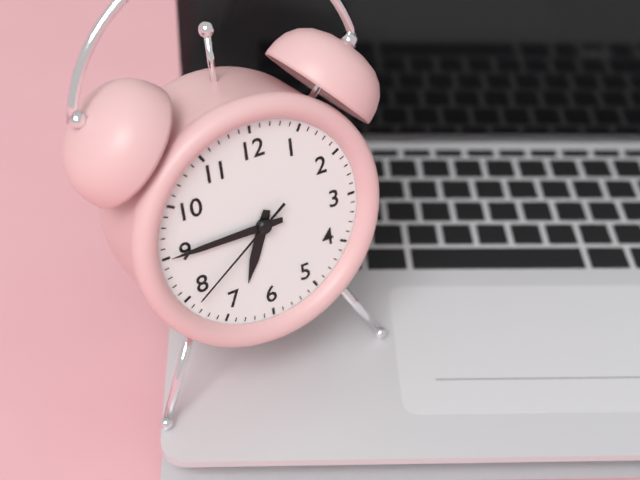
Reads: 6:45:39
